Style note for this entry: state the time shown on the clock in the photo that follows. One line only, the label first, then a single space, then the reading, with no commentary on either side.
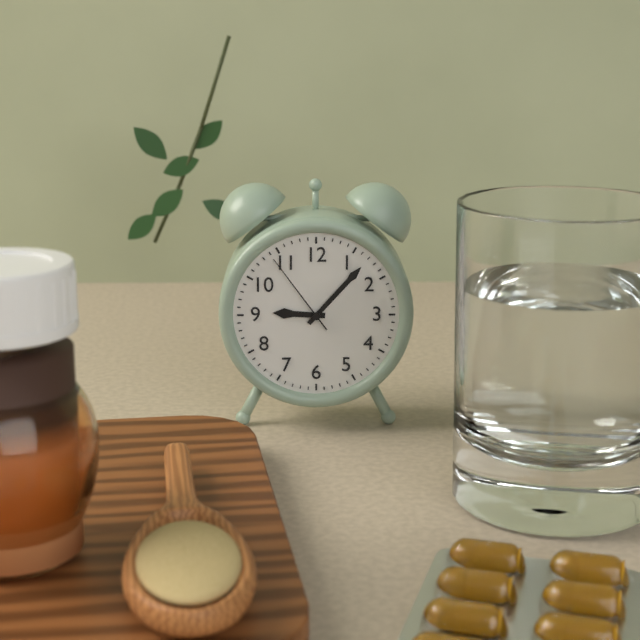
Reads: 9:07:54
